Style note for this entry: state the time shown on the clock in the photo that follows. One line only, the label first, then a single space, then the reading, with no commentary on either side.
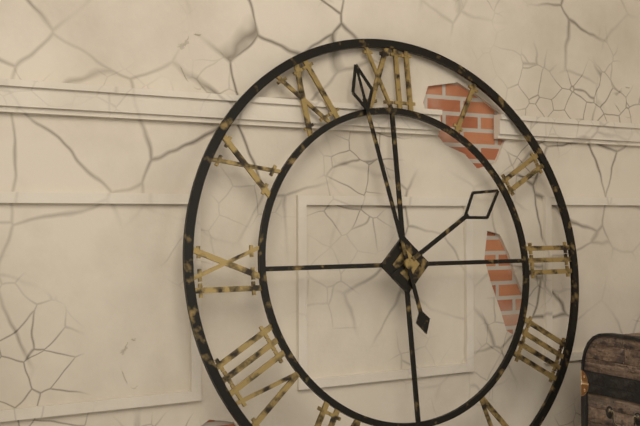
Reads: 1:58
